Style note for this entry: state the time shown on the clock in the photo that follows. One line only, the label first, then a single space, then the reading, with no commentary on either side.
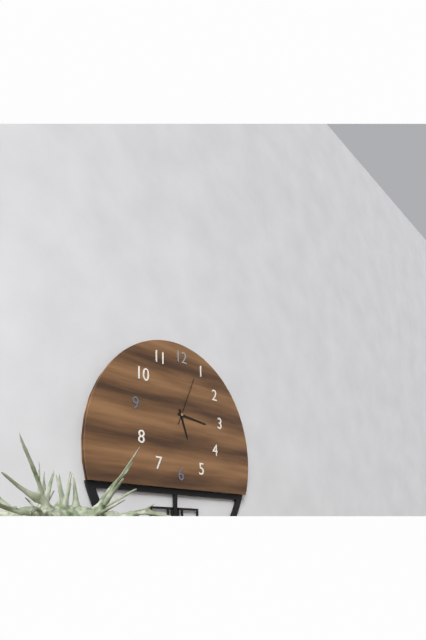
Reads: 5:16
